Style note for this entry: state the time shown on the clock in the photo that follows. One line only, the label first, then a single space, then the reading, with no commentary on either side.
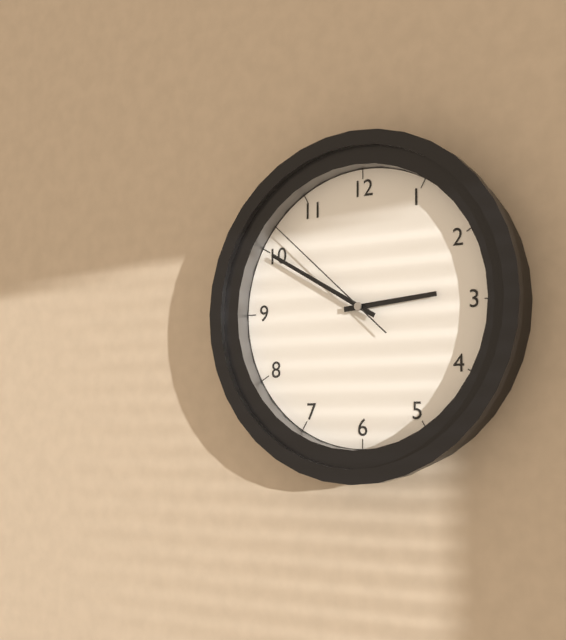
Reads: 2:50:52
